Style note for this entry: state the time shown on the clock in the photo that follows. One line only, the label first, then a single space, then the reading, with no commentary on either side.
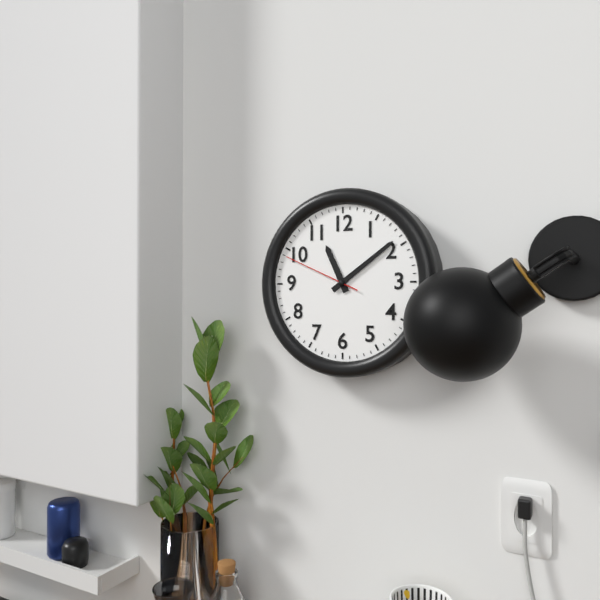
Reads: 11:09:49
